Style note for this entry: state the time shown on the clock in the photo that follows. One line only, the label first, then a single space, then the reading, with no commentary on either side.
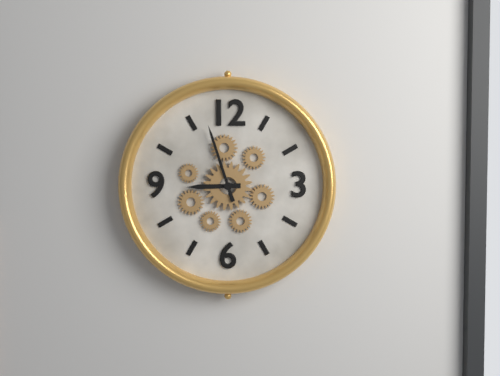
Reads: 8:57
